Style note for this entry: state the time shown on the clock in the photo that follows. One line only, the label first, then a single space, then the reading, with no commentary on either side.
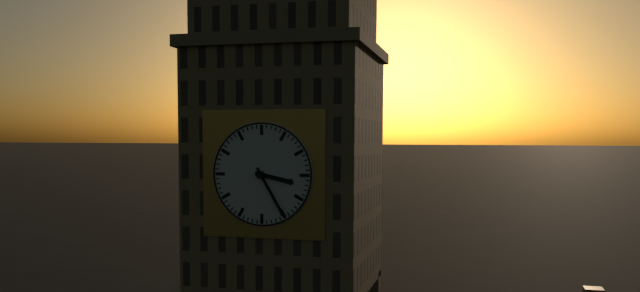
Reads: 3:25
